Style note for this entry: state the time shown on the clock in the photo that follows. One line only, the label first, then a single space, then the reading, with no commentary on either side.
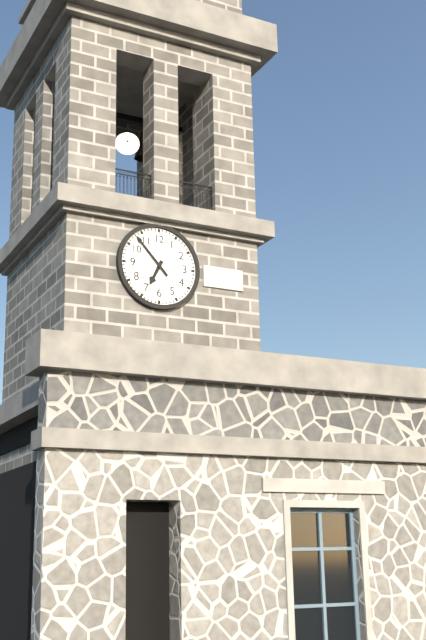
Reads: 6:53
